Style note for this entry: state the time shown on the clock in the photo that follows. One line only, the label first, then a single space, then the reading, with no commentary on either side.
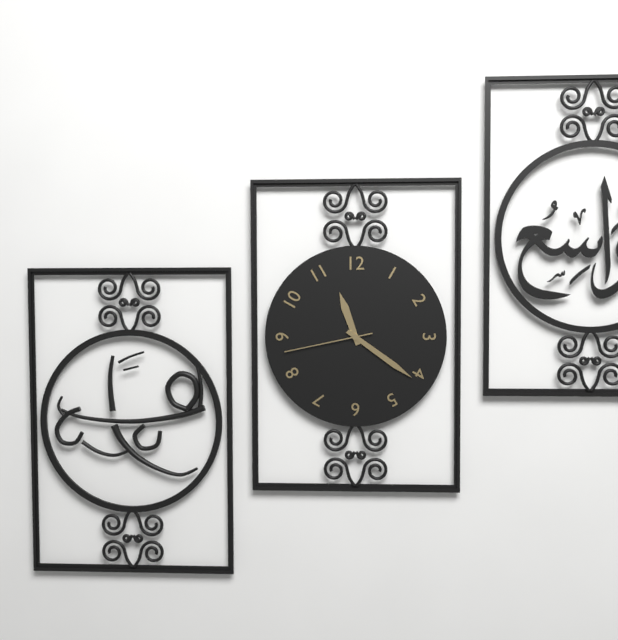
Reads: 11:21:43
